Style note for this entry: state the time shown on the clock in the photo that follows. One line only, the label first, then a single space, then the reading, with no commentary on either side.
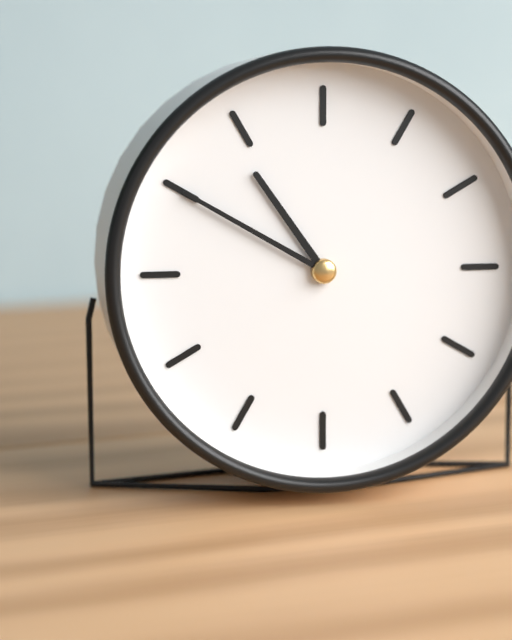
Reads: 10:50
